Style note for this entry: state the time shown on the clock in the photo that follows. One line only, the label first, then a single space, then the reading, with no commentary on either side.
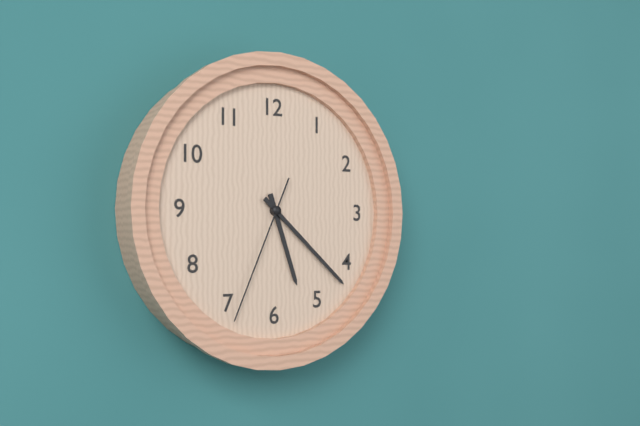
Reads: 5:22:34
